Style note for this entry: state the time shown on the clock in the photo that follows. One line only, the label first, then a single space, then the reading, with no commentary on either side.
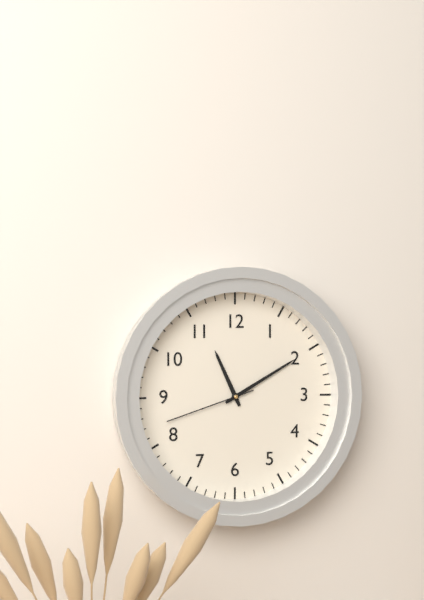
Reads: 11:10:42
